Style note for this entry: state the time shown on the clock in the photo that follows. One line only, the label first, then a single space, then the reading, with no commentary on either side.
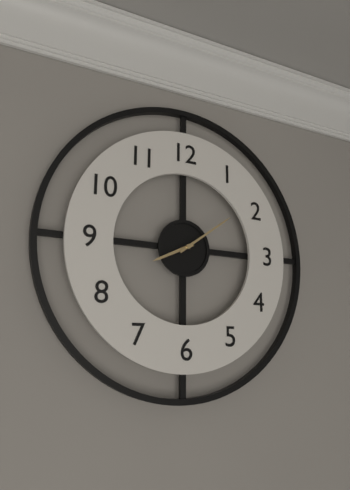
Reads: 8:09
